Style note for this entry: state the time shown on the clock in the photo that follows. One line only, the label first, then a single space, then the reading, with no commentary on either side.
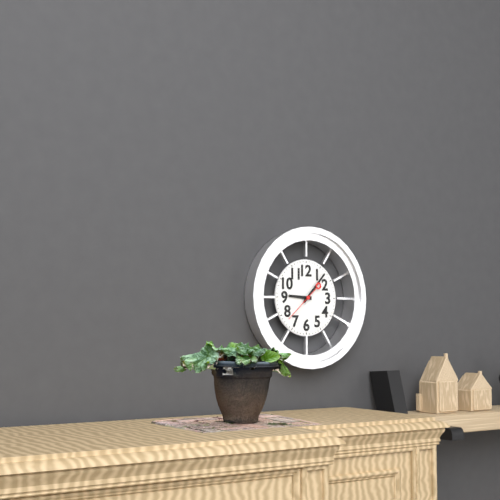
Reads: 9:07
